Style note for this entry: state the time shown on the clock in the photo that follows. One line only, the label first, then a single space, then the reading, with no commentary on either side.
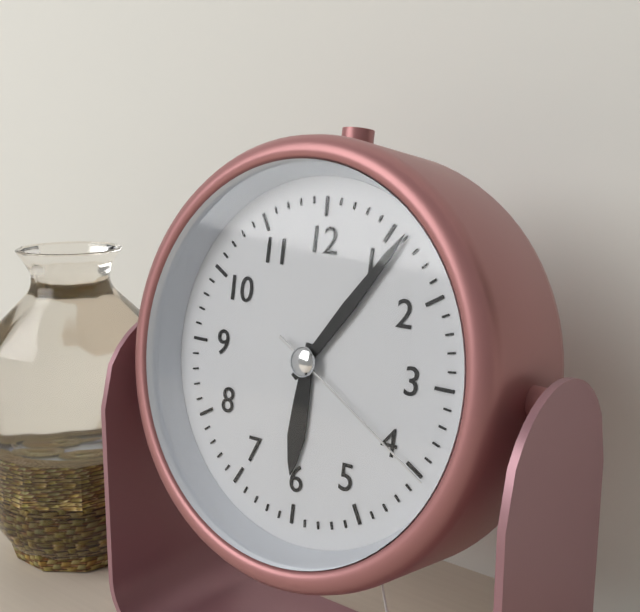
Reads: 6:06:20
